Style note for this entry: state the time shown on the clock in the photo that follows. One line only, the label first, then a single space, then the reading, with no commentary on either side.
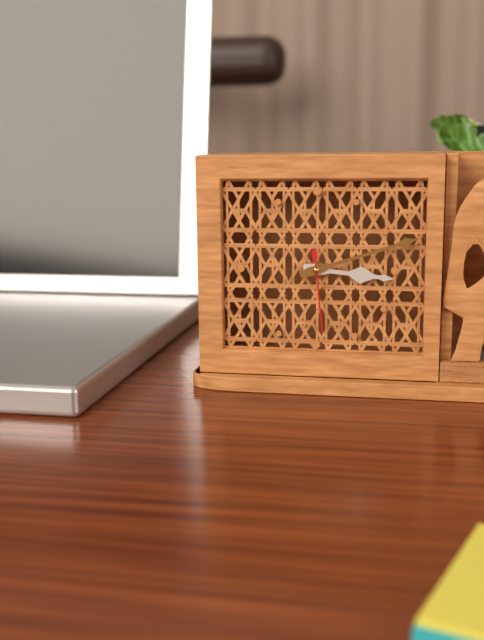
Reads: 3:12:29
